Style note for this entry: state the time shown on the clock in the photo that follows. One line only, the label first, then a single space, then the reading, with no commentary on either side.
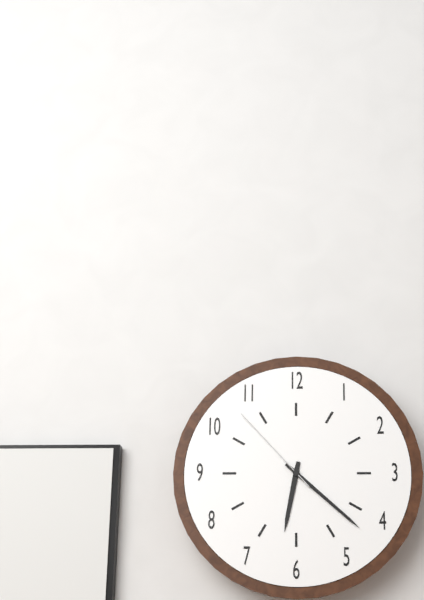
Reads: 6:22:53
